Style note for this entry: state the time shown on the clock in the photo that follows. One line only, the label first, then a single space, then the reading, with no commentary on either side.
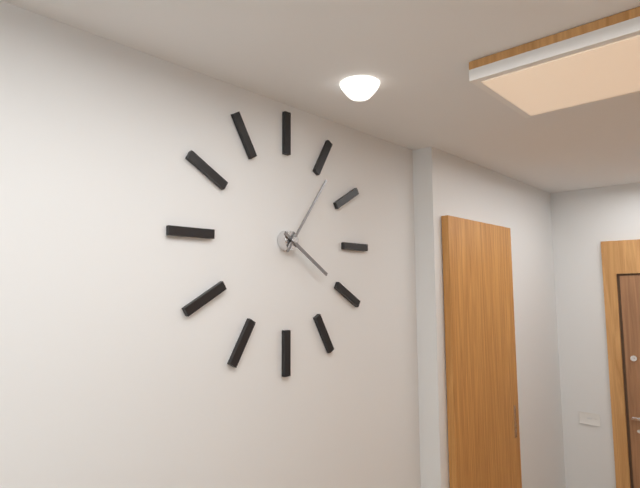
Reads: 4:06
